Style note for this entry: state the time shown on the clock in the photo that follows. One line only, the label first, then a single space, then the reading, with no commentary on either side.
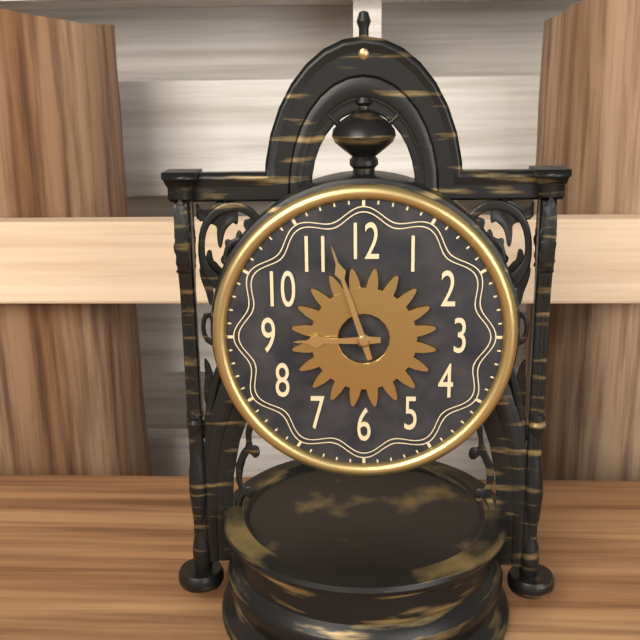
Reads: 8:57
